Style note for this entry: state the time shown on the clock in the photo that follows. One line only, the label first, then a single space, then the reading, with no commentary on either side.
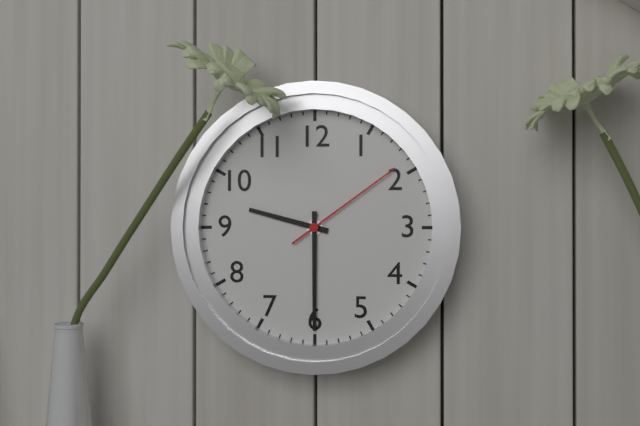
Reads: 9:30:09
